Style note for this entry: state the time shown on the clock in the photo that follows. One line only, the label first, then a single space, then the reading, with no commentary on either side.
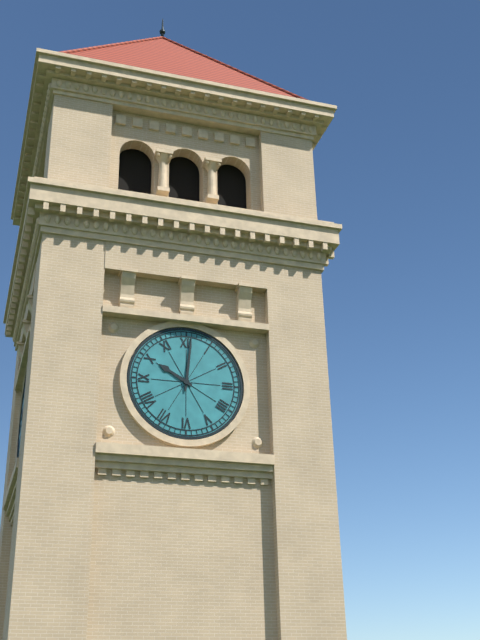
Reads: 10:01
